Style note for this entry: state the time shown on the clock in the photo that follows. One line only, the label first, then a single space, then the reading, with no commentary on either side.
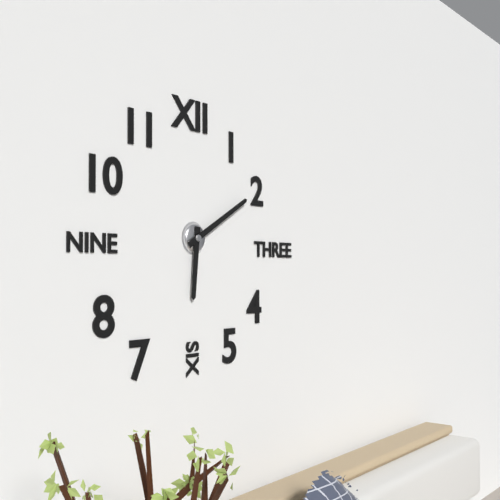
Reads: 6:10
